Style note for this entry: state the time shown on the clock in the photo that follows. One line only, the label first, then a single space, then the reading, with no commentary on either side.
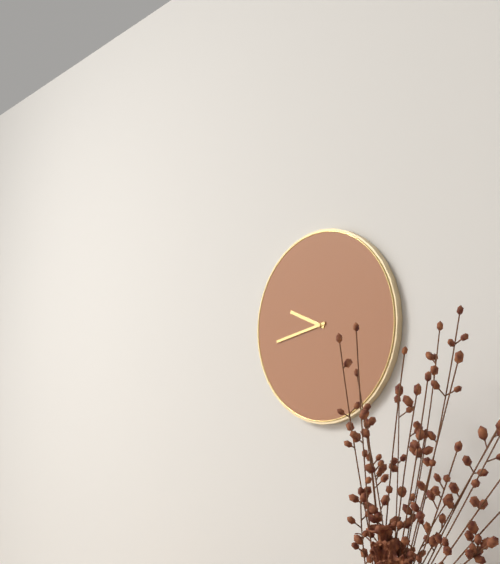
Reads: 9:43
